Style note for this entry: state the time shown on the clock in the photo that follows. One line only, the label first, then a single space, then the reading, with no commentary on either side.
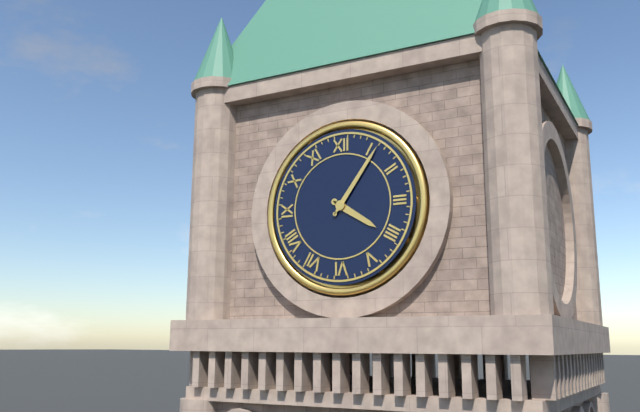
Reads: 4:06
